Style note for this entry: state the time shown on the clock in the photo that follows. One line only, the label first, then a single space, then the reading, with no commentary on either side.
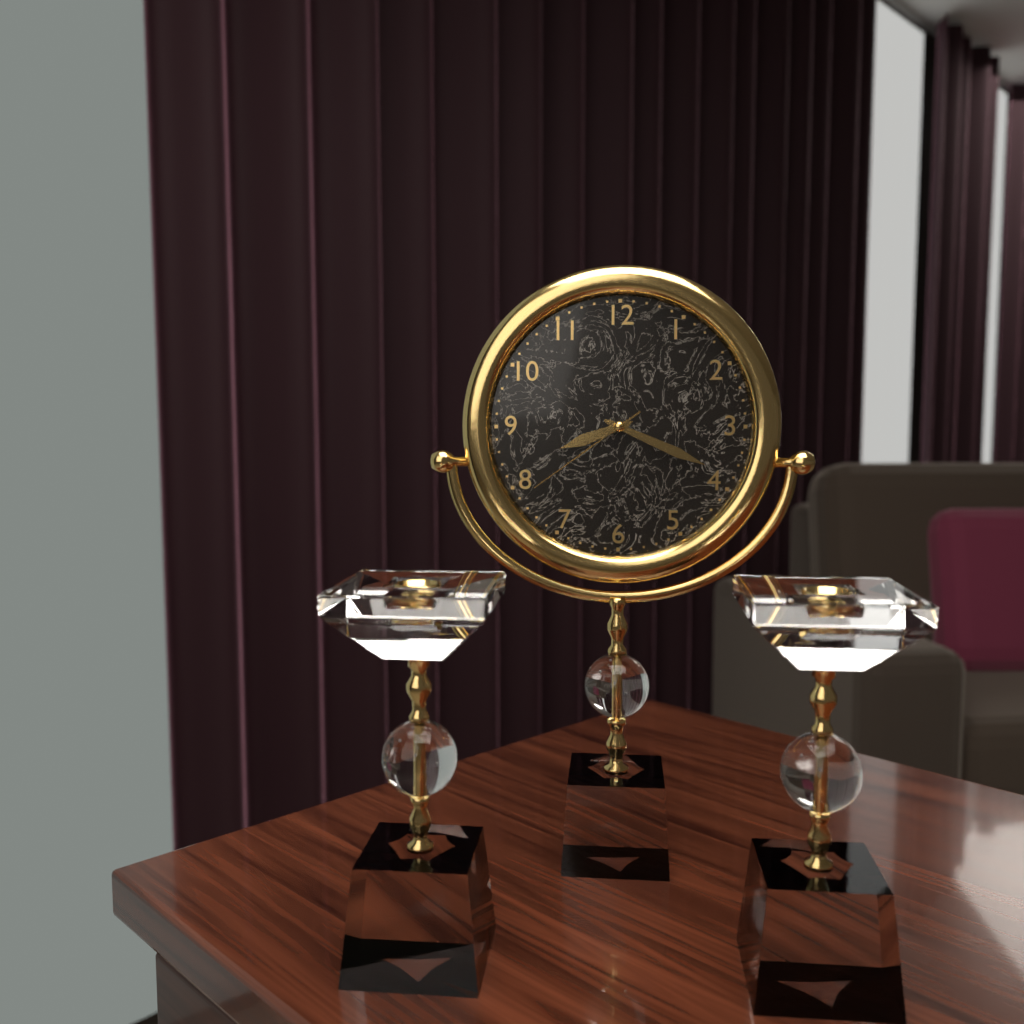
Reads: 8:19:39
